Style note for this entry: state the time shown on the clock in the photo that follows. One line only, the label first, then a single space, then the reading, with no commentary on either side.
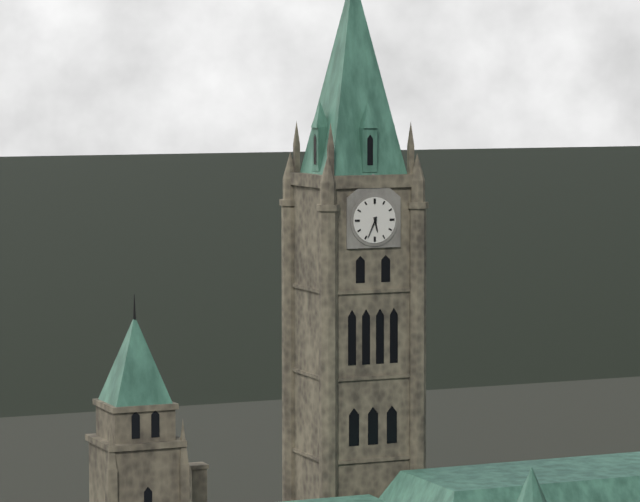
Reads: 5:34
